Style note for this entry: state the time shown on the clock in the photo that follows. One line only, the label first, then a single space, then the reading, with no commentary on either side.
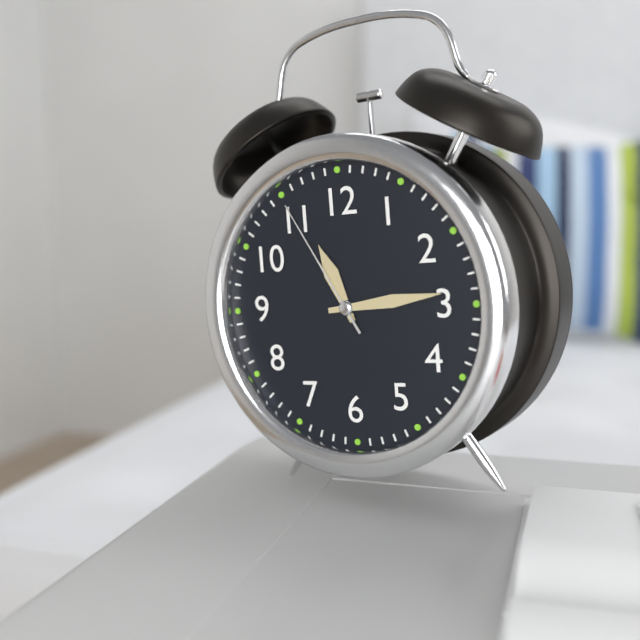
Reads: 11:14:55
